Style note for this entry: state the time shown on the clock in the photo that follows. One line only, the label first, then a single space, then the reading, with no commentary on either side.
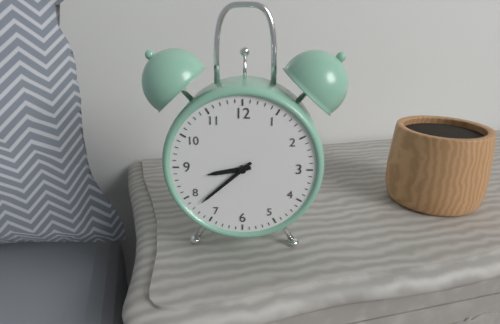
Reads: 8:38
